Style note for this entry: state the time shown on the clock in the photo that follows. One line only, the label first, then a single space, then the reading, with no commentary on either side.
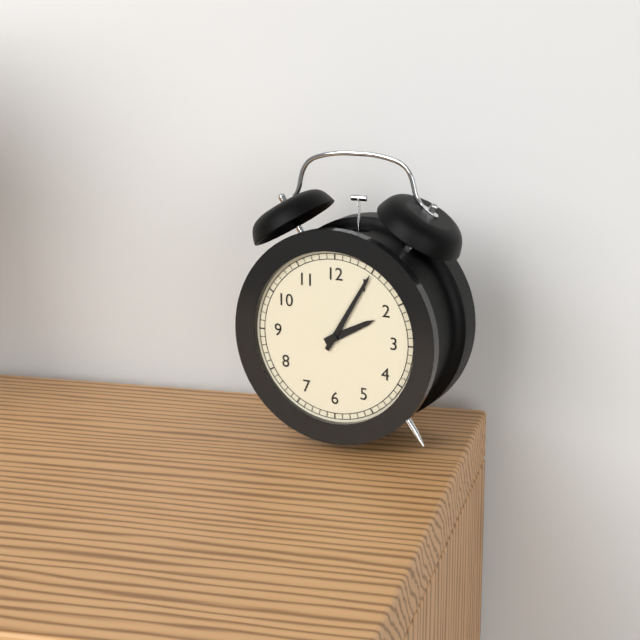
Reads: 2:05
